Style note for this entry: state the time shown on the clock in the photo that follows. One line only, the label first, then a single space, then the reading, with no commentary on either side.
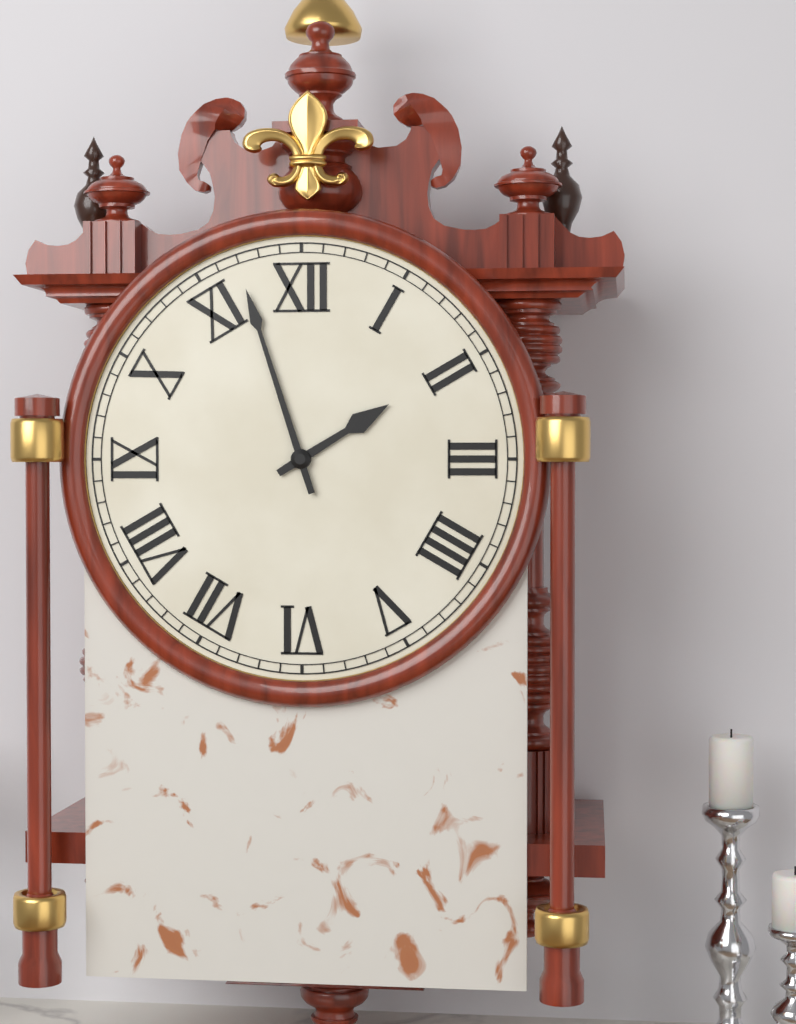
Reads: 1:57
